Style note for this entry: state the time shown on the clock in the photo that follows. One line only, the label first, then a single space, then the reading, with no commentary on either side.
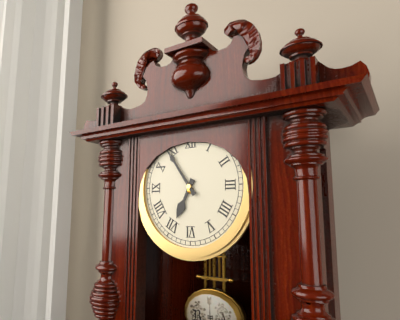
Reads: 6:54
